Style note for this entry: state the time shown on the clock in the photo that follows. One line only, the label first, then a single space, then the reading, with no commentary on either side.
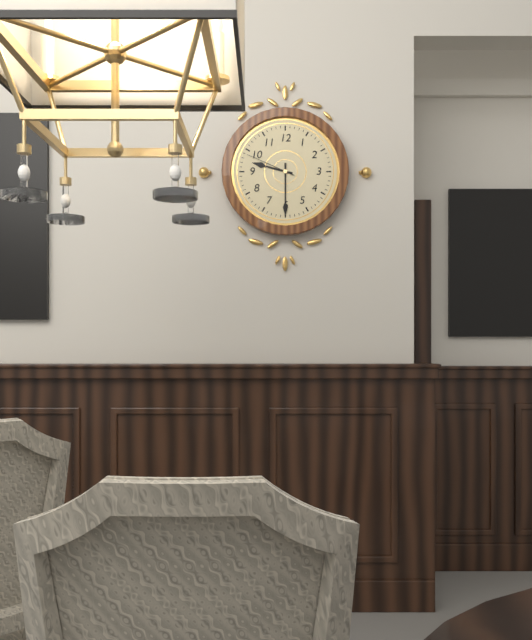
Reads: 9:30:49
